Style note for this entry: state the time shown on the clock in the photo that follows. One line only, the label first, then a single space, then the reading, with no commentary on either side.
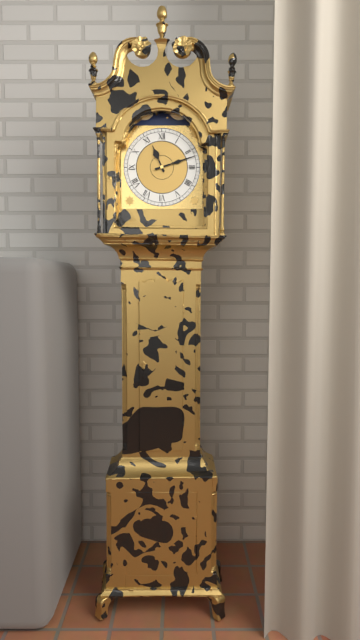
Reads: 11:12
